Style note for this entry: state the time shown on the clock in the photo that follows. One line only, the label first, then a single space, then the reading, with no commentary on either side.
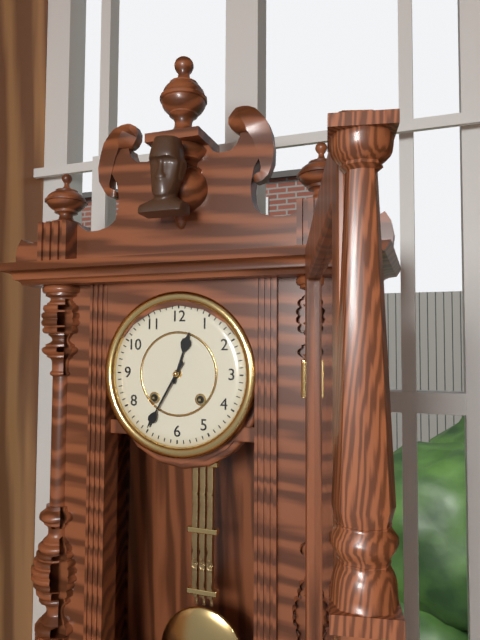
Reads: 12:35
